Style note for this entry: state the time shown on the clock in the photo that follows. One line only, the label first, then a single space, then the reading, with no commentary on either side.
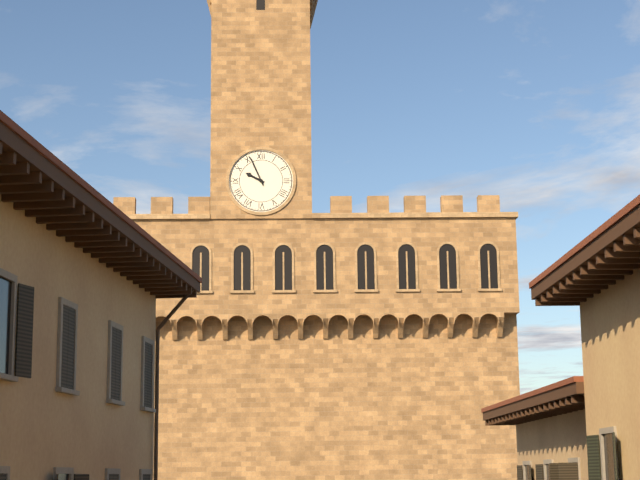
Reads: 9:56
